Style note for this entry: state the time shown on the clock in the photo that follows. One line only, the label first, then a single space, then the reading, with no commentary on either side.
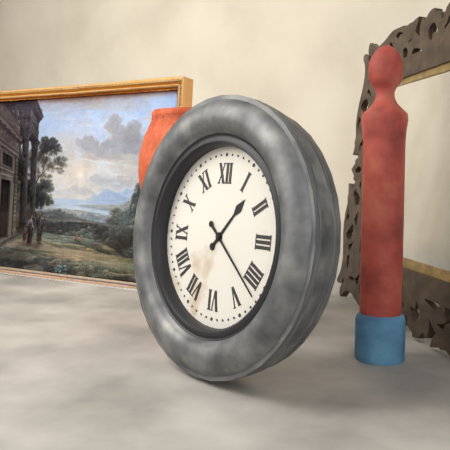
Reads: 1:22
